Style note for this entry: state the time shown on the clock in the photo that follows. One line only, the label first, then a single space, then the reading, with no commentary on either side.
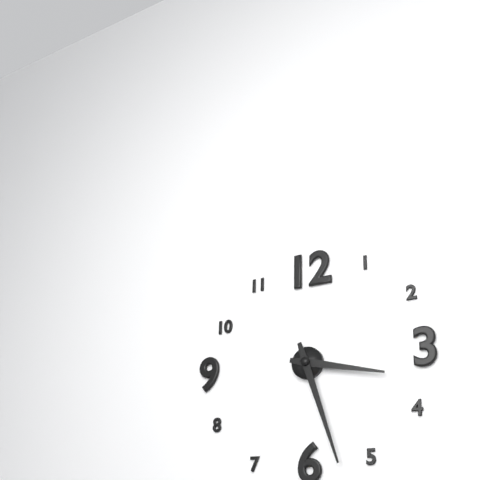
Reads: 3:27
